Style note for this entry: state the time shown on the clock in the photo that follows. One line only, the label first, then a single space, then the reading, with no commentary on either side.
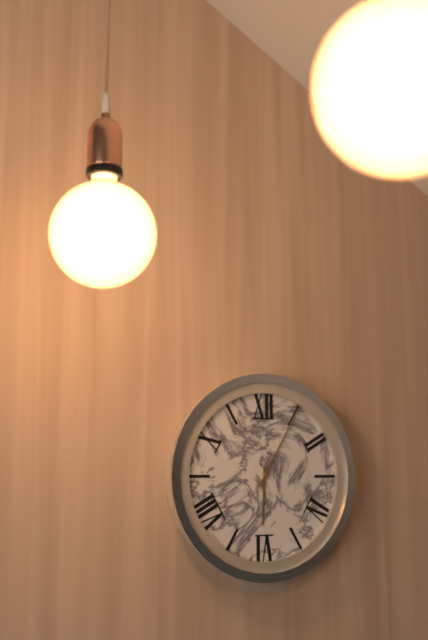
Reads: 6:05
